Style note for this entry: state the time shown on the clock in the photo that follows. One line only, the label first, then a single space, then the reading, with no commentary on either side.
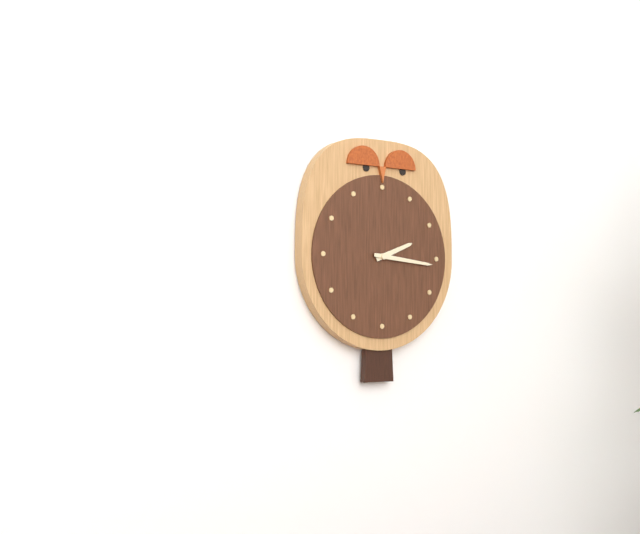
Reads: 2:16
